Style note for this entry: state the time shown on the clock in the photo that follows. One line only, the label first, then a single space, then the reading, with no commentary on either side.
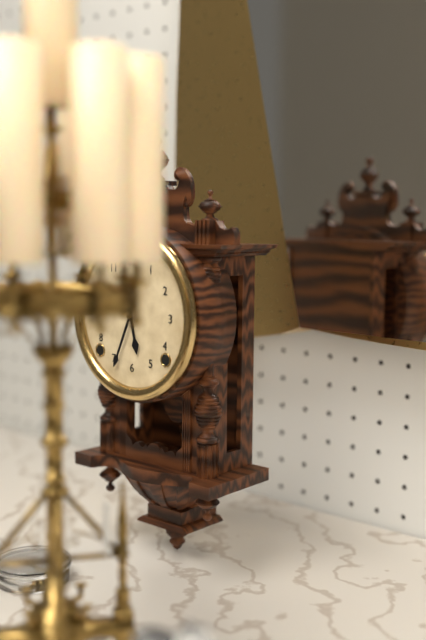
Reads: 5:34
